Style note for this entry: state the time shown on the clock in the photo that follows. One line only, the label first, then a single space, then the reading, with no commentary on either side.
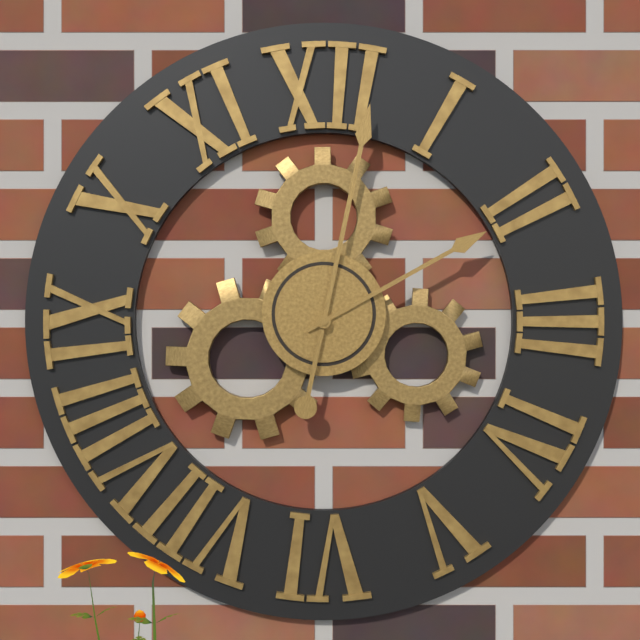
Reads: 2:02
